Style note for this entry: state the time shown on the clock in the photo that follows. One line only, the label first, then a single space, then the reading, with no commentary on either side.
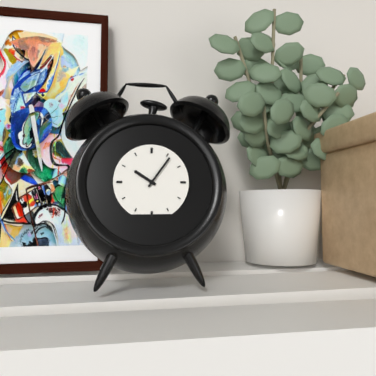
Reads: 10:06
